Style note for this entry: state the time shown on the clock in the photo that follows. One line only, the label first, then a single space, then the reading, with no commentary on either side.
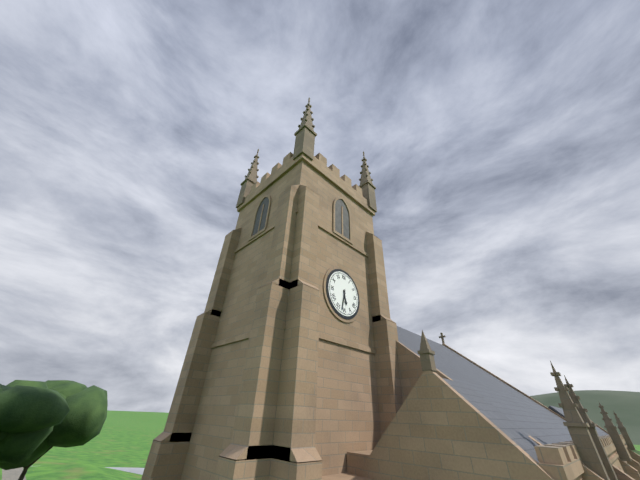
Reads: 5:32
